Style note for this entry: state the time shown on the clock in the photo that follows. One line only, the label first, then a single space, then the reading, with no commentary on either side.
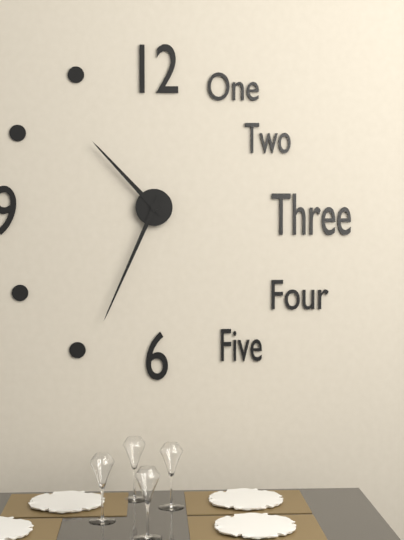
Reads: 10:34
